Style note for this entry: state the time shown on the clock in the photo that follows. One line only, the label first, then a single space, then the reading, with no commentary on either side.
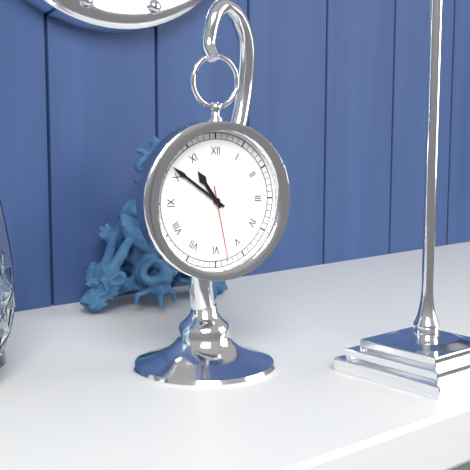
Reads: 10:51:28
